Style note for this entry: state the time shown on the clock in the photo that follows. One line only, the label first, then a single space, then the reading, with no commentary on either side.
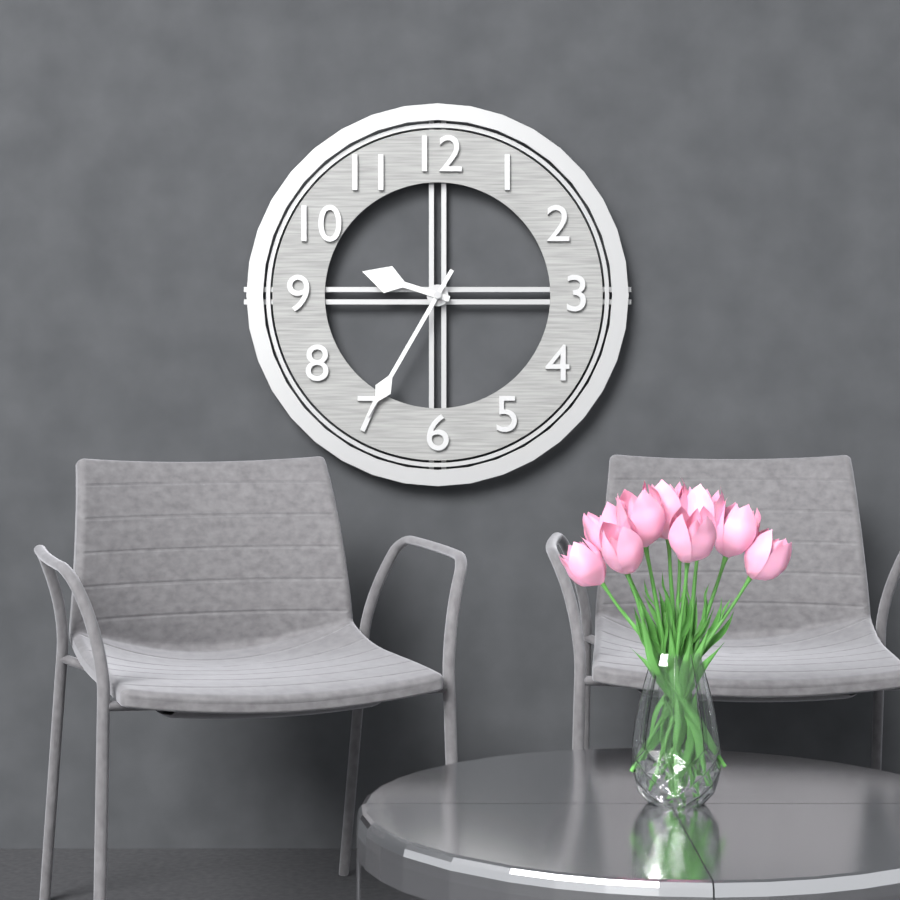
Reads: 9:35
